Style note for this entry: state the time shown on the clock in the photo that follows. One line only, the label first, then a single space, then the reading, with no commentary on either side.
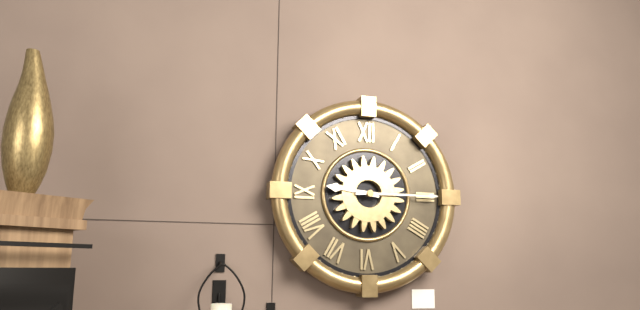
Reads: 9:15
